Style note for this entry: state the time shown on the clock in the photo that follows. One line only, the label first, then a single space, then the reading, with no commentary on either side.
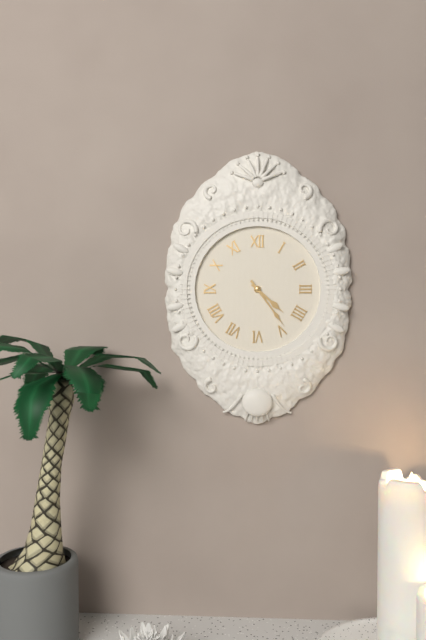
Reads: 4:24
